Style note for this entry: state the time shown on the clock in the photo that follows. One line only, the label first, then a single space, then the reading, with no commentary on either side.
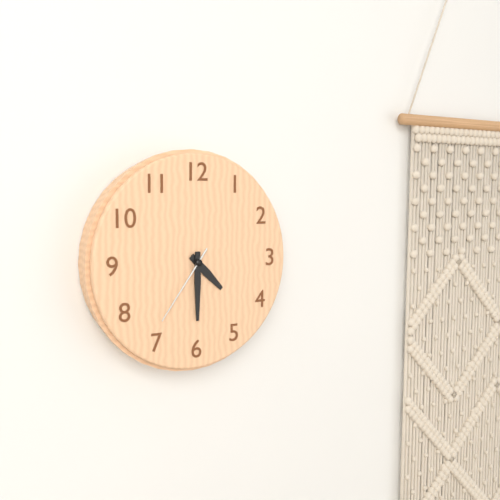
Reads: 4:30:36
